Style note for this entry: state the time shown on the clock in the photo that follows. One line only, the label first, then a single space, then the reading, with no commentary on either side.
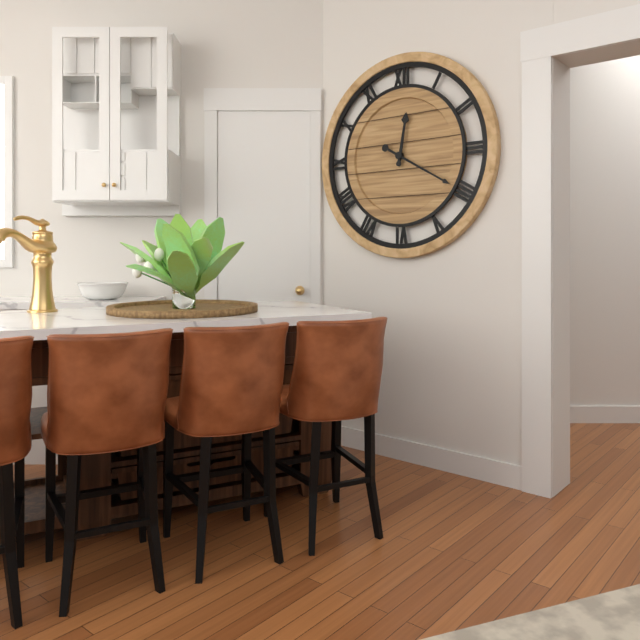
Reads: 12:20
